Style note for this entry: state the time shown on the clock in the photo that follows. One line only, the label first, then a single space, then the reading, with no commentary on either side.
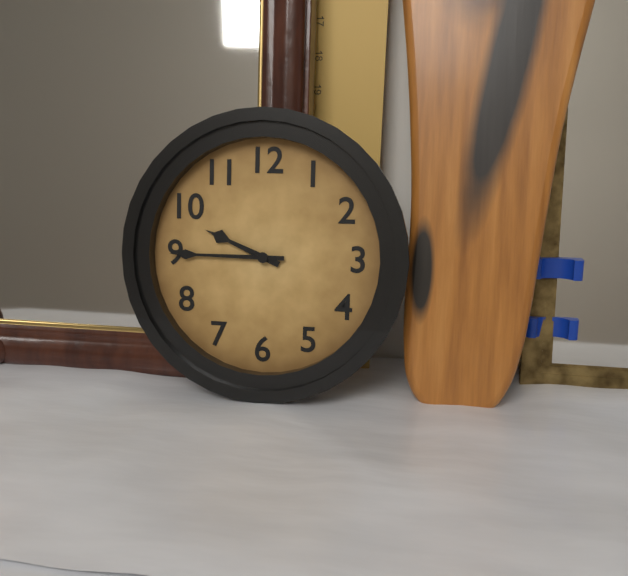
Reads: 9:45
